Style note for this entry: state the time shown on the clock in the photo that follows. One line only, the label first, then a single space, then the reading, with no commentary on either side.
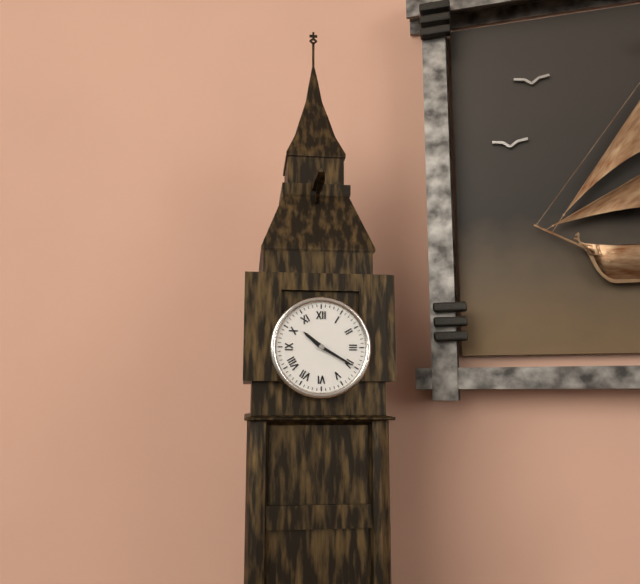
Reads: 10:20
